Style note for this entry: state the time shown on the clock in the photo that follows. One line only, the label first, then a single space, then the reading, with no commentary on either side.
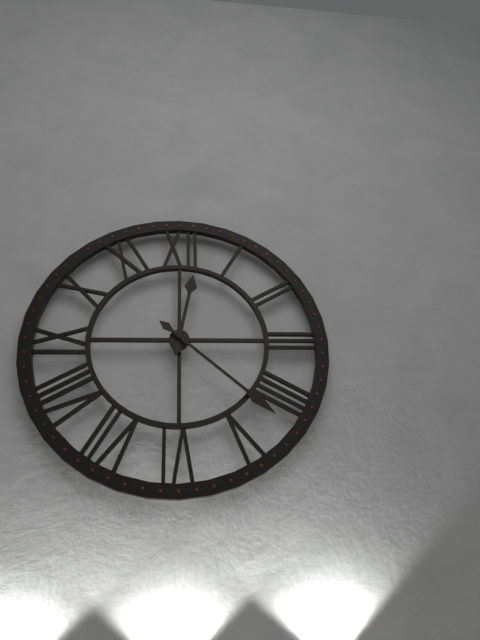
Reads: 12:22
